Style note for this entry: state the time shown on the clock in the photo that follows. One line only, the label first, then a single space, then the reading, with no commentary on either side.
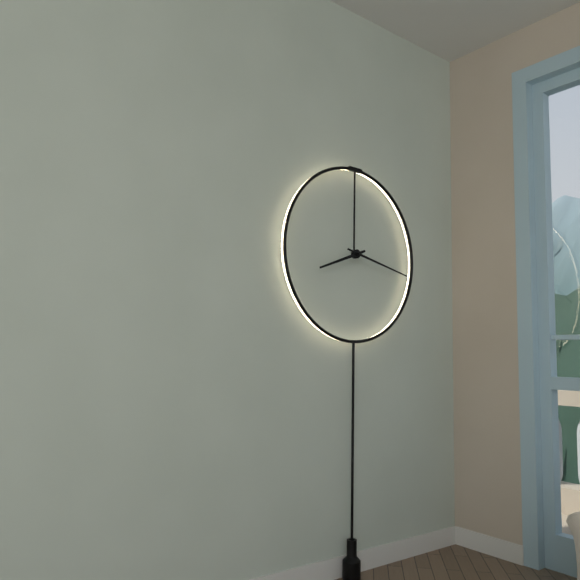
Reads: 8:17
